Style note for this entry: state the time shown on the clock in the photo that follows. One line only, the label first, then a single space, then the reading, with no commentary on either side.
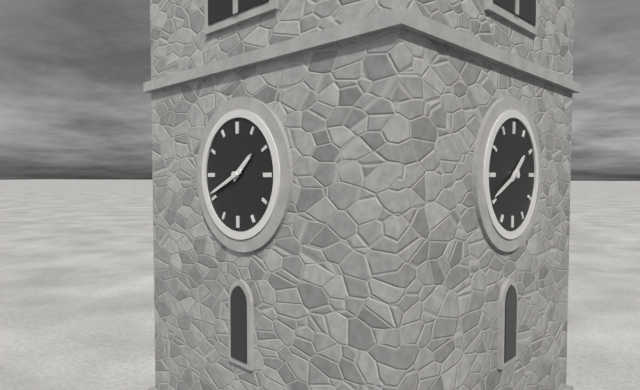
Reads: 1:41
